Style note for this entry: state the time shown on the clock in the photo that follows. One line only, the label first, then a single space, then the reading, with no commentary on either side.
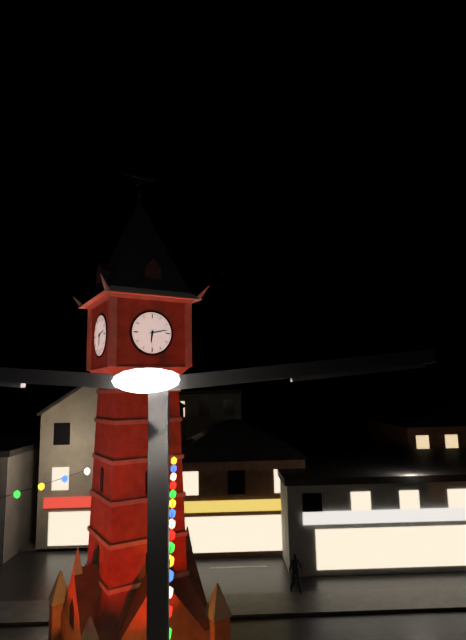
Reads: 6:13
